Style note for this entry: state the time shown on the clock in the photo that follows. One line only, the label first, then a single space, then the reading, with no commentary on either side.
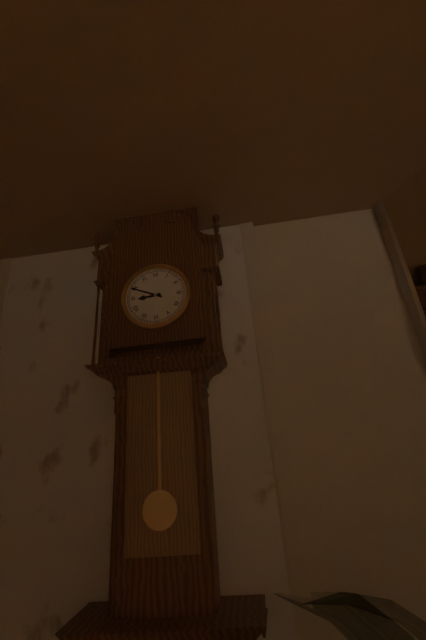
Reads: 8:49
